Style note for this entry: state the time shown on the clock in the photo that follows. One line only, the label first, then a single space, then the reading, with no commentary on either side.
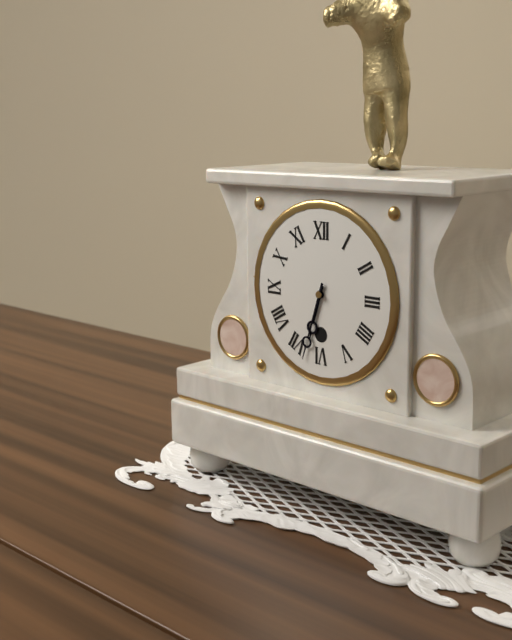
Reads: 6:33
